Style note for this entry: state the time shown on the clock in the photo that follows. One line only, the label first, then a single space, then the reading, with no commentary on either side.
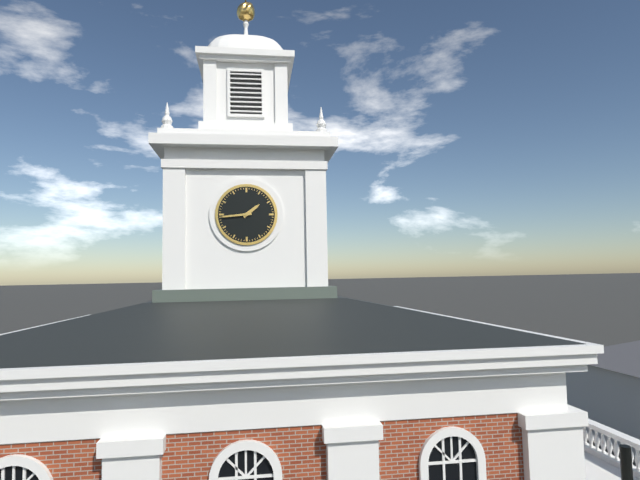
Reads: 1:44
